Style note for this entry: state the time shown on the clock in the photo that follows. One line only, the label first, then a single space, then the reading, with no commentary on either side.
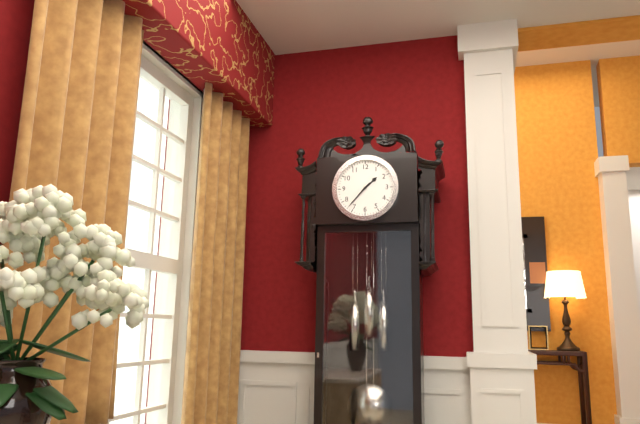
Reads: 1:37
